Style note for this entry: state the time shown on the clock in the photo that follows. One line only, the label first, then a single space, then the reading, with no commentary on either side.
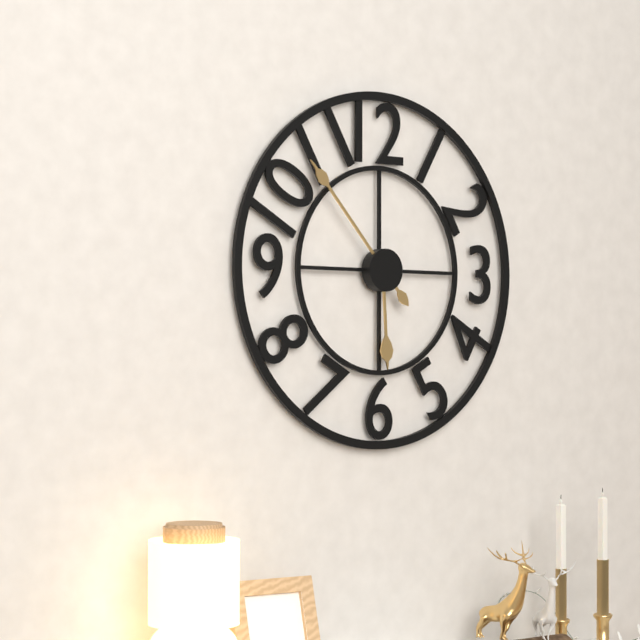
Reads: 5:53
